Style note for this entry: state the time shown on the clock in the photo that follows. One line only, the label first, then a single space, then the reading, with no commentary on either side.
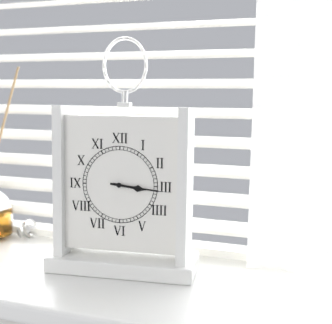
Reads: 3:16
